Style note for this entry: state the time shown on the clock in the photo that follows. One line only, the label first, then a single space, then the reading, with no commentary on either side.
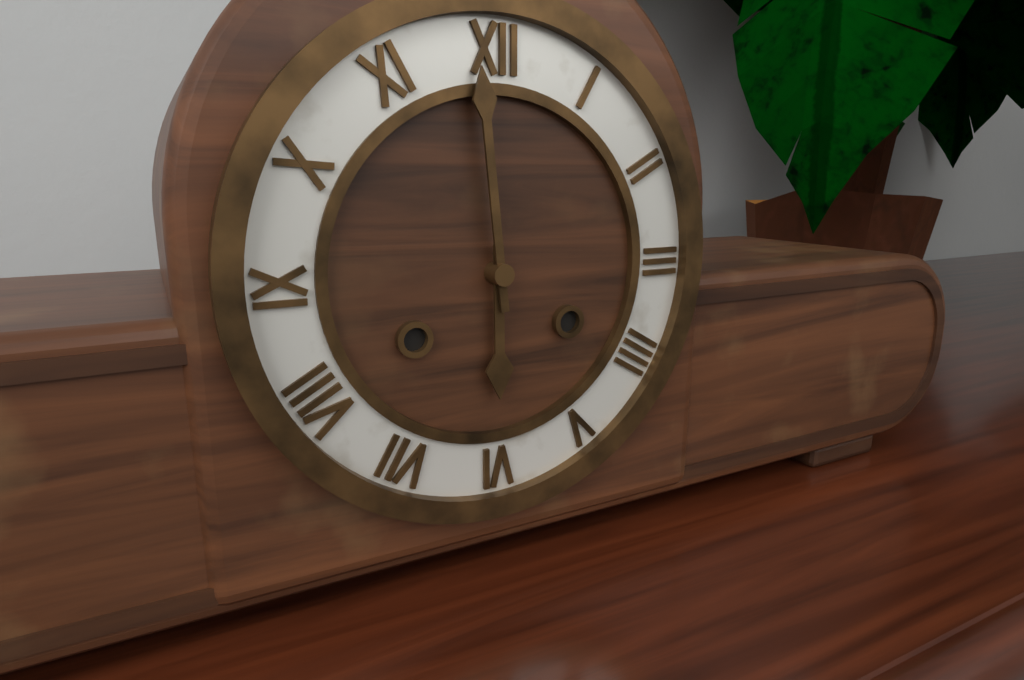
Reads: 5:59
